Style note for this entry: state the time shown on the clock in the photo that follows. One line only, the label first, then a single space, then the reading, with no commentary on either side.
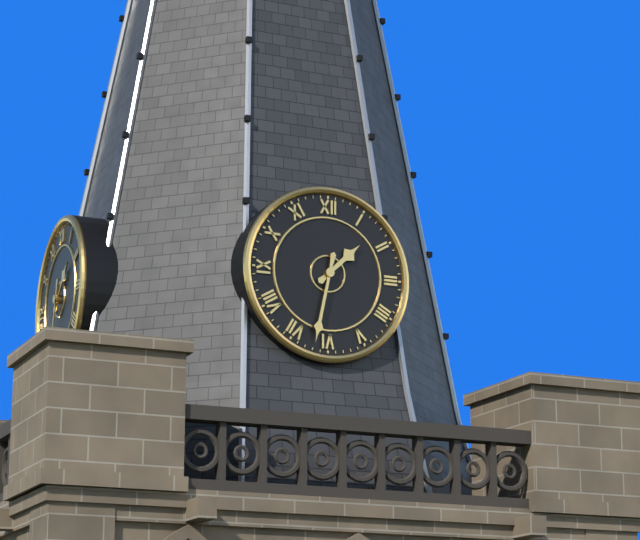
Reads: 1:32
